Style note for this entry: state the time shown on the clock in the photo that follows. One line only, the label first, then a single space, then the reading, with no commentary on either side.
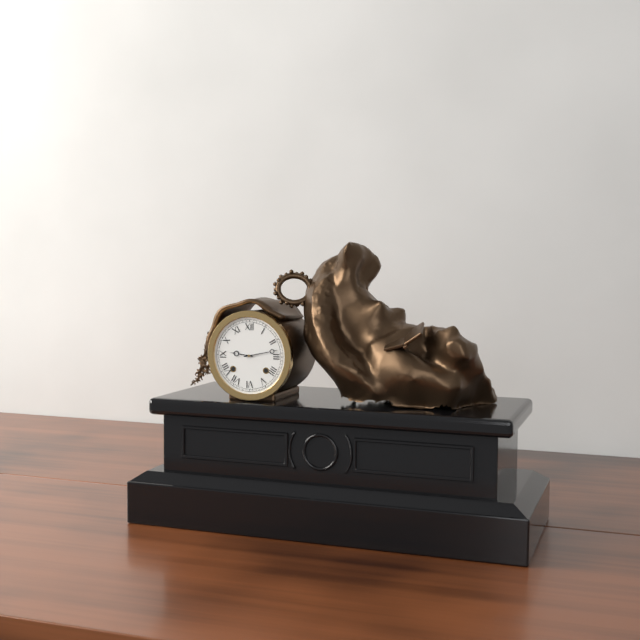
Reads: 9:13
